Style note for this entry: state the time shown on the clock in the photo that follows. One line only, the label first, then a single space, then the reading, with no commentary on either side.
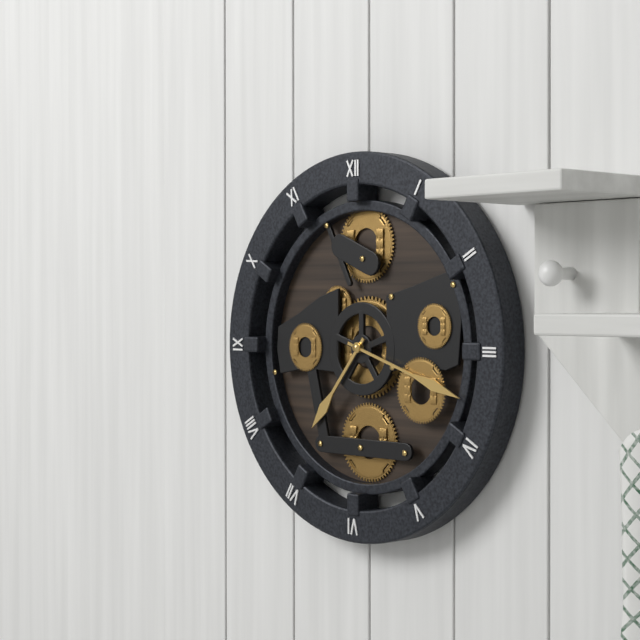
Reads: 7:18
